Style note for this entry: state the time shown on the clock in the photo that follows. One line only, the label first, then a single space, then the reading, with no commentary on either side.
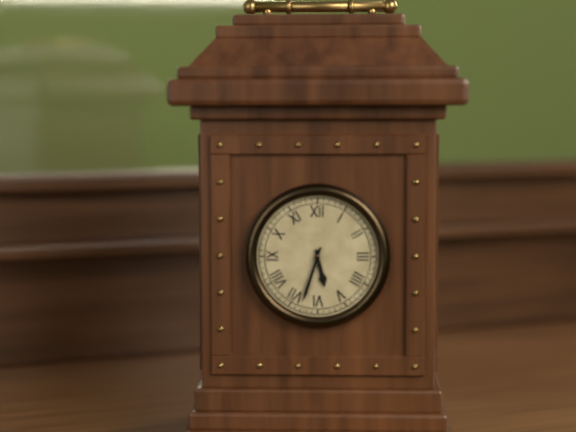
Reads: 5:33
